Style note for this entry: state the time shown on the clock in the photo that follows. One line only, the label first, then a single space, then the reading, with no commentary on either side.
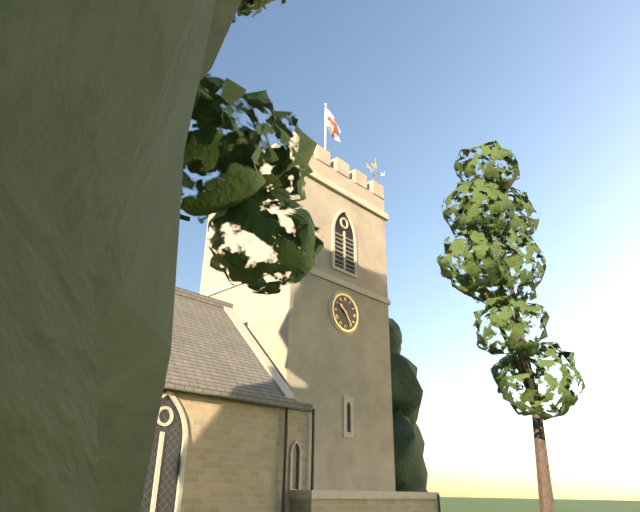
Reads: 10:24
